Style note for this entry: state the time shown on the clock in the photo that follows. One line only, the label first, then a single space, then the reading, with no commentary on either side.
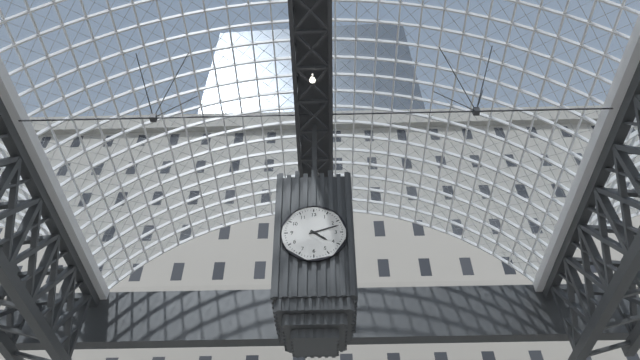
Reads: 4:12
